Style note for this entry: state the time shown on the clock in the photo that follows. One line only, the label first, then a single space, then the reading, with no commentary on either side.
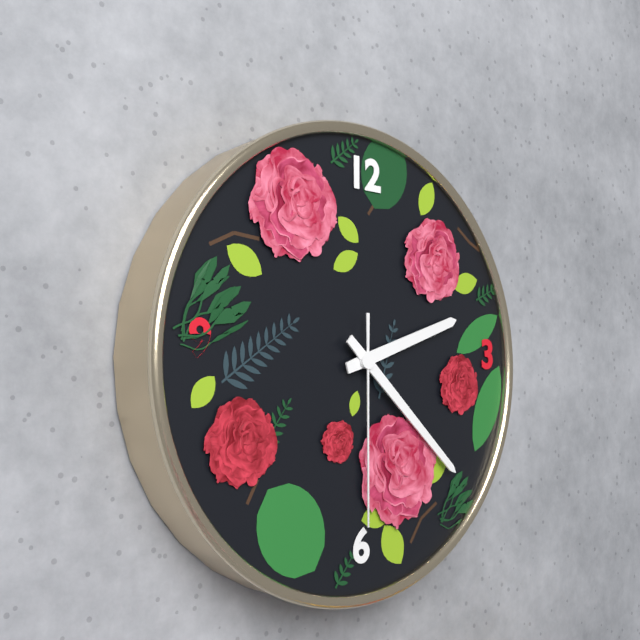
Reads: 2:22:30
